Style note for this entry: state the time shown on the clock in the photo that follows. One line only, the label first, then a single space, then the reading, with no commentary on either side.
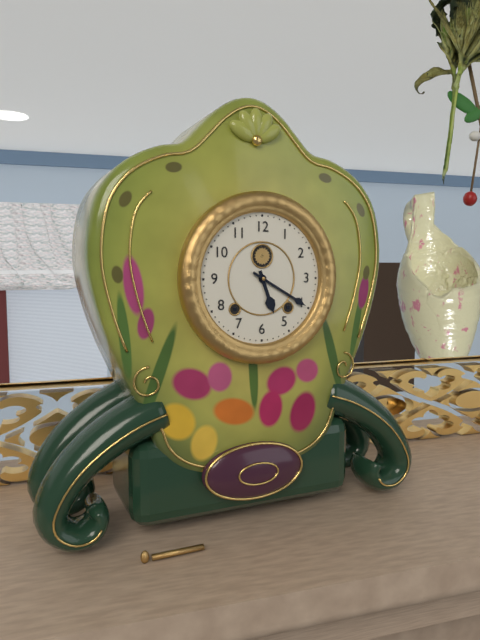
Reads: 5:20
